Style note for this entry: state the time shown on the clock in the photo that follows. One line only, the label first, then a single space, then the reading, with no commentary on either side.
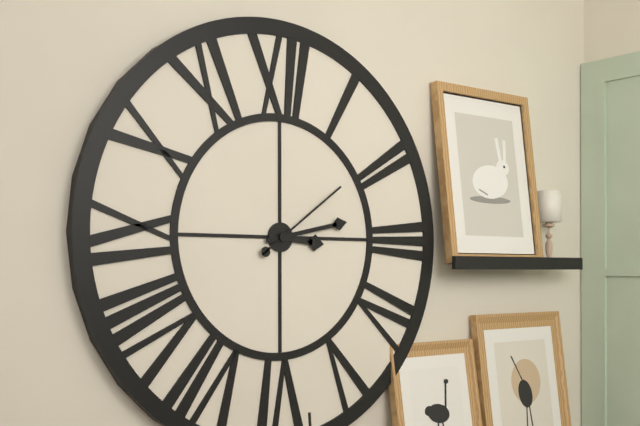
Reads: 3:13:09
